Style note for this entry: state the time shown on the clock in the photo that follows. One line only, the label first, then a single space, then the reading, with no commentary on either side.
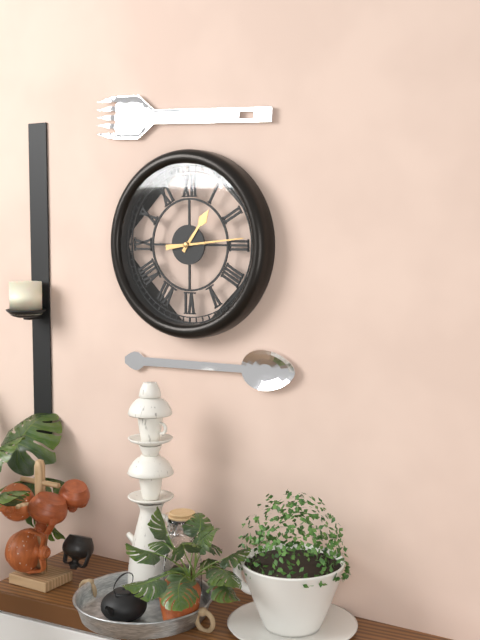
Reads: 1:14
